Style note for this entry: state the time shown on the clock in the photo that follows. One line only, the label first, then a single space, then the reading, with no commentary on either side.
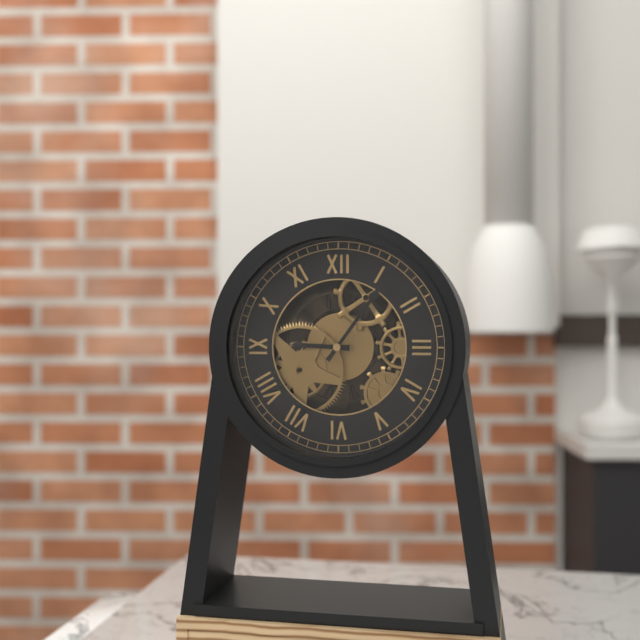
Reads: 9:06
